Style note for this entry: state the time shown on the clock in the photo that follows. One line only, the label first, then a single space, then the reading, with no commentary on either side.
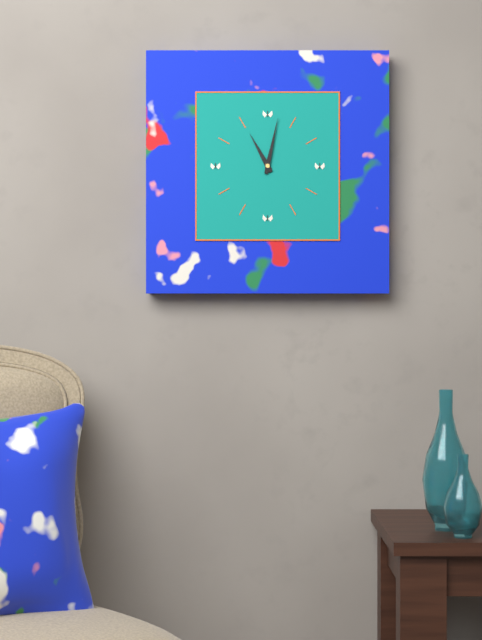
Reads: 11:02
